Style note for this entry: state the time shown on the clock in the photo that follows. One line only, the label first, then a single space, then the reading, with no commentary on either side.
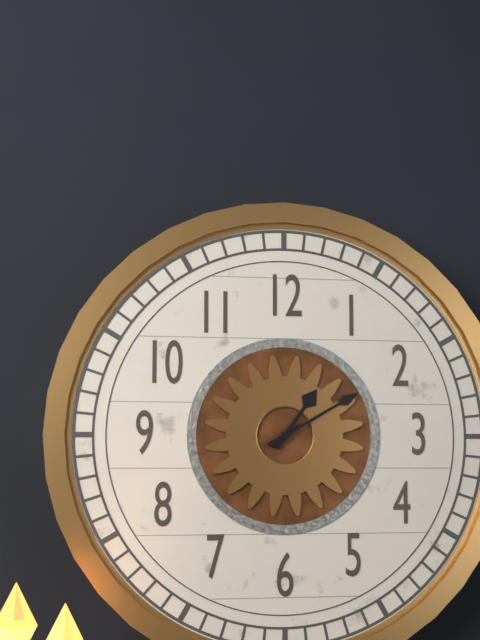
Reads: 1:10
